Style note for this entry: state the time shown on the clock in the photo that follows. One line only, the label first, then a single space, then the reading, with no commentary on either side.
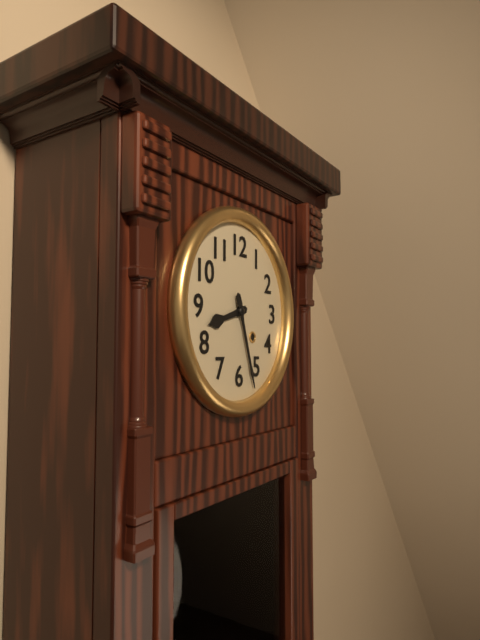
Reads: 8:27
